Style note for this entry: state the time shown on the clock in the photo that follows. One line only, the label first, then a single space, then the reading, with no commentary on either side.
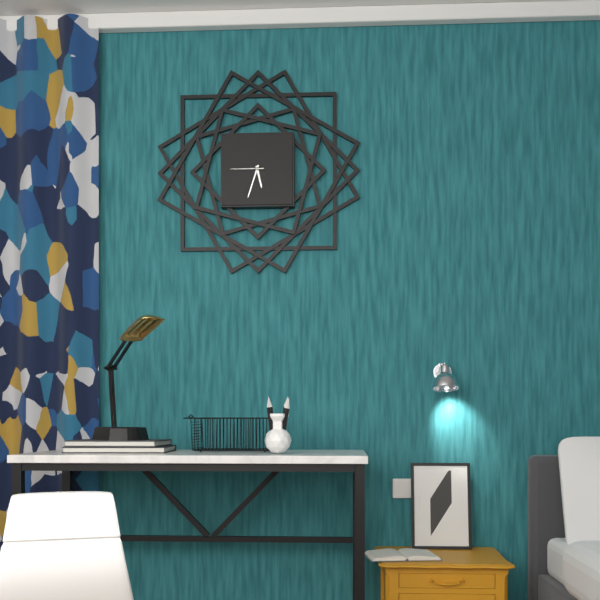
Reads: 5:33
